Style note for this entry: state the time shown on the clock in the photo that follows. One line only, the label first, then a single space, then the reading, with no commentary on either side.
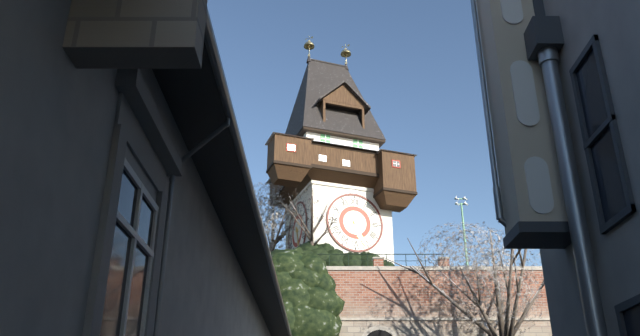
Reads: 5:26
